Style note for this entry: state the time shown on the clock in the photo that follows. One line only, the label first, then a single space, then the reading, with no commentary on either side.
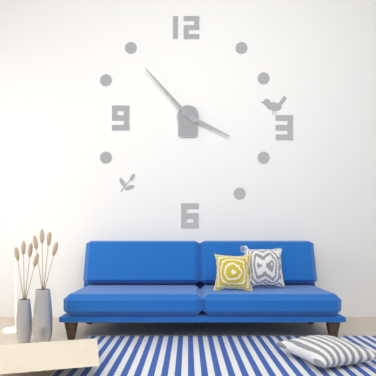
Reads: 3:53
